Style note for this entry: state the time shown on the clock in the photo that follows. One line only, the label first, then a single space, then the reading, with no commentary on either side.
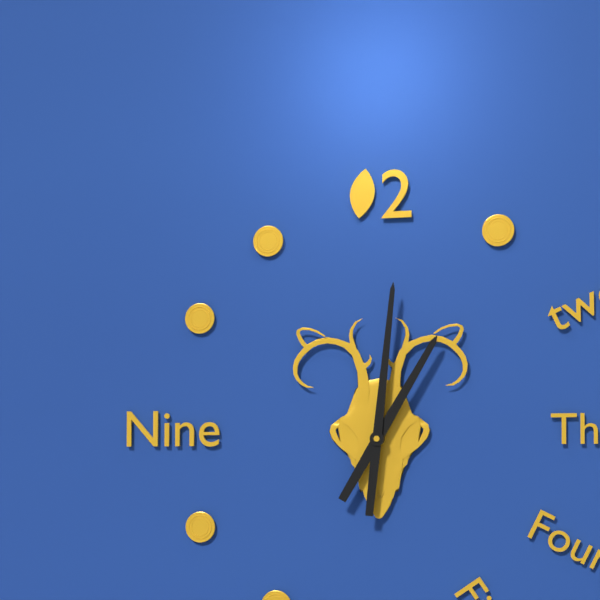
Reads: 1:01
